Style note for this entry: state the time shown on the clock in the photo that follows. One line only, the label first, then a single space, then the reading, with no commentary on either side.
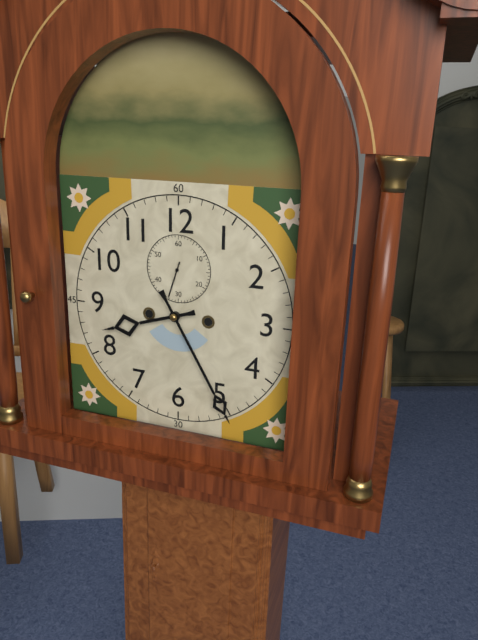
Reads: 8:25
